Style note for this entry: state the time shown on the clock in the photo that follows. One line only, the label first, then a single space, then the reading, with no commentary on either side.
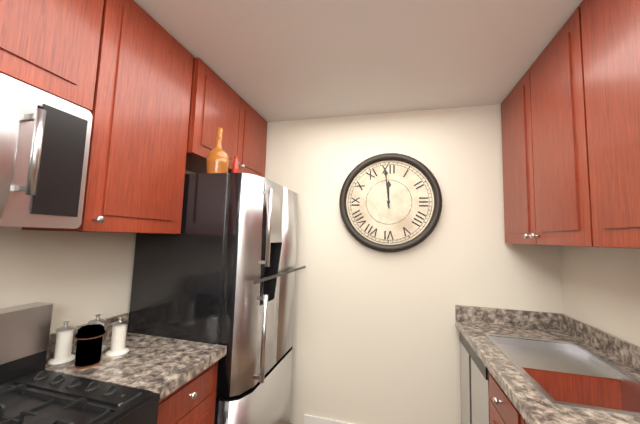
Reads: 11:59
